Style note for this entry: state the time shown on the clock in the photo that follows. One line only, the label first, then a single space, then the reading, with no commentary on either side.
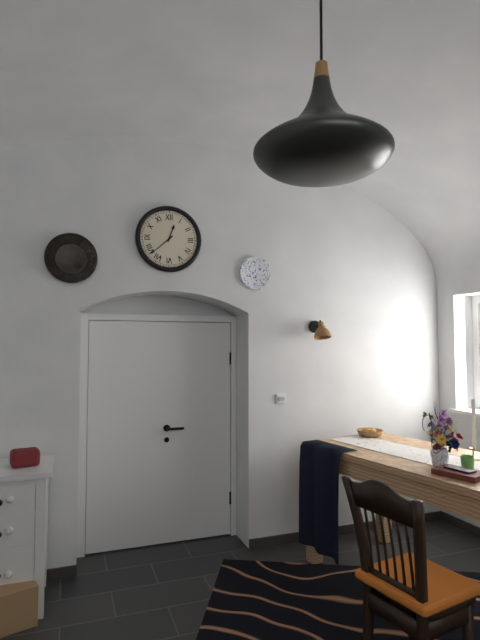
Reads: 12:38
